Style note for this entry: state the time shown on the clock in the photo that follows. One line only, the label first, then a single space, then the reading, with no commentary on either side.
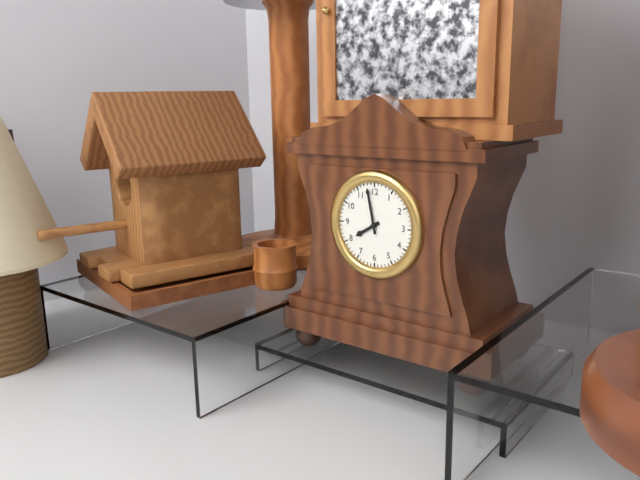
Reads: 7:58
